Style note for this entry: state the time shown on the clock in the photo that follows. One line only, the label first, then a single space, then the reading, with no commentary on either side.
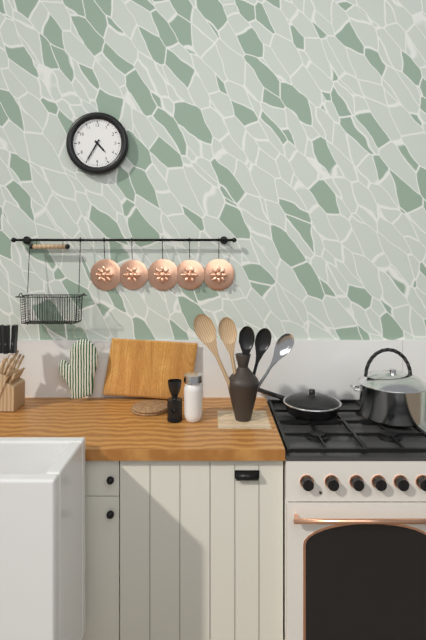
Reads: 4:35
